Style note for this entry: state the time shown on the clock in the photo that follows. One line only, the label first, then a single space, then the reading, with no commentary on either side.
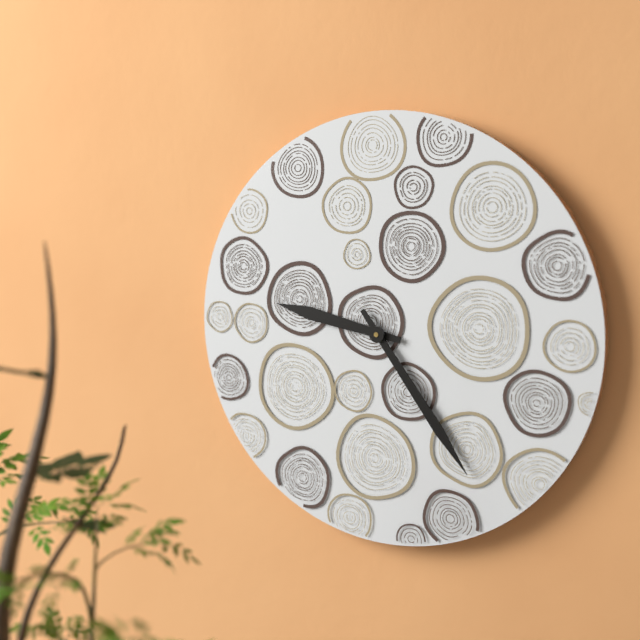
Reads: 9:24
